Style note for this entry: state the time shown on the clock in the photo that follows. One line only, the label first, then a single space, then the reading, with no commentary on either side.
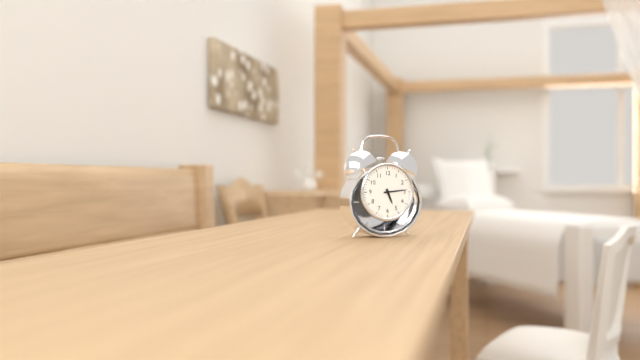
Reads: 5:14
